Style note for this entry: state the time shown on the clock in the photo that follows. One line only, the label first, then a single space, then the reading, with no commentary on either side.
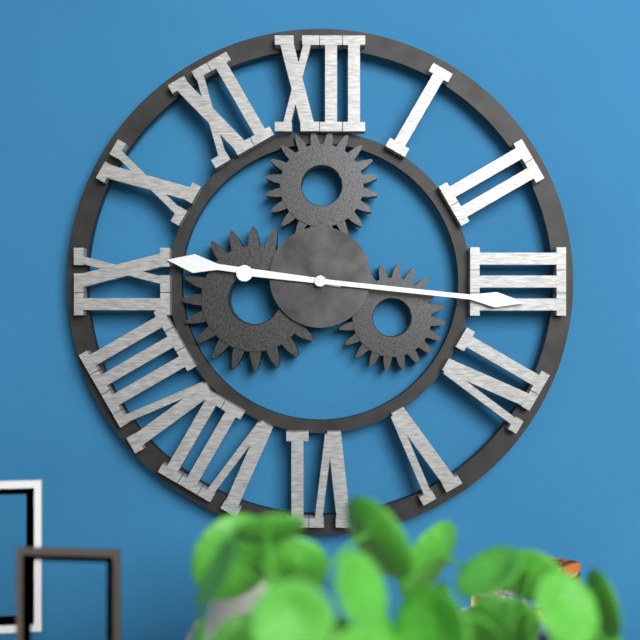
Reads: 9:16
